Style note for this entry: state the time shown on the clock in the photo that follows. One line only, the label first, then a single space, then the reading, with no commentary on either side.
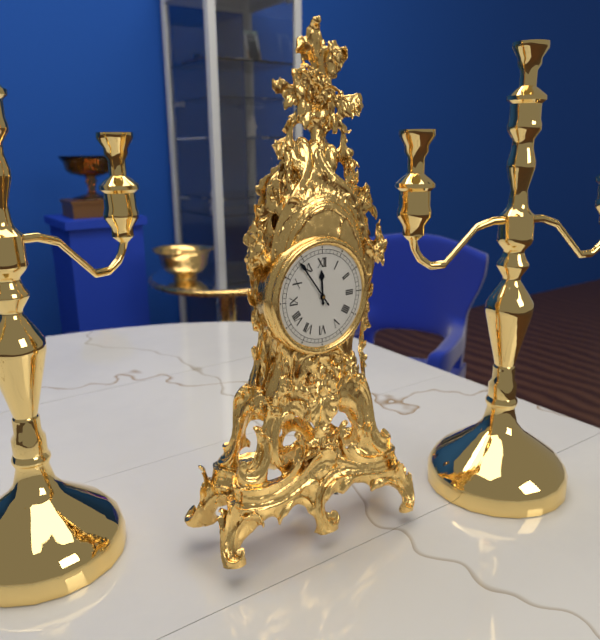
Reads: 11:54
